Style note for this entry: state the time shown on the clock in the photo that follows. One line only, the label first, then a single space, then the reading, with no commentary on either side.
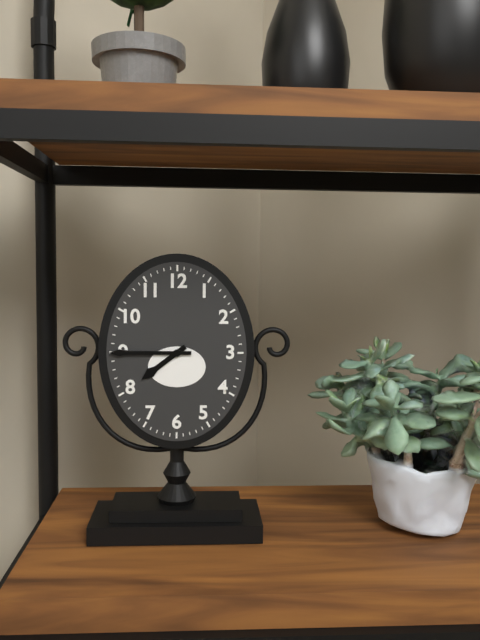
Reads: 7:45
